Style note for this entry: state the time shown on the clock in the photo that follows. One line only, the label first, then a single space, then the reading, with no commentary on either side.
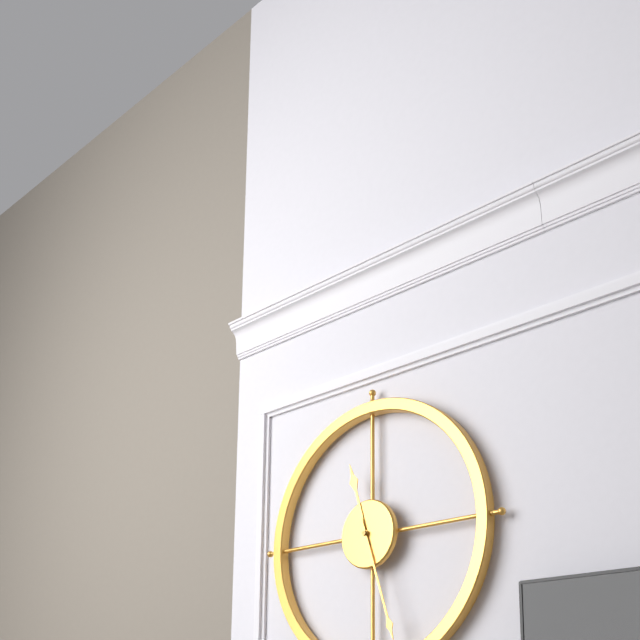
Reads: 11:27
